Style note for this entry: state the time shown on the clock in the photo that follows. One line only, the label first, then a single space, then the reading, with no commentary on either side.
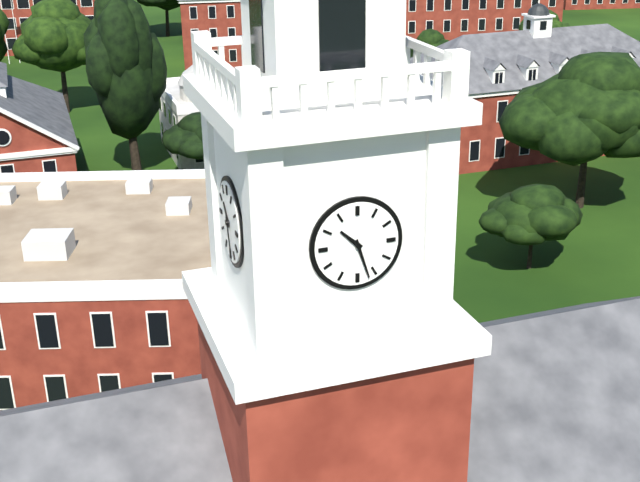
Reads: 10:27
